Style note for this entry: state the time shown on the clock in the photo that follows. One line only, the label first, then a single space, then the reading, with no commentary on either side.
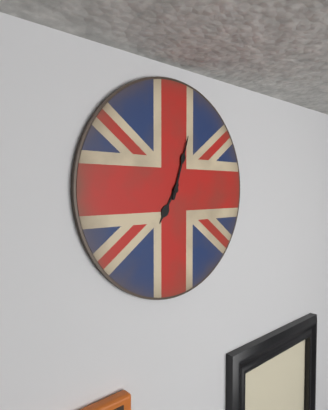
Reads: 7:03
